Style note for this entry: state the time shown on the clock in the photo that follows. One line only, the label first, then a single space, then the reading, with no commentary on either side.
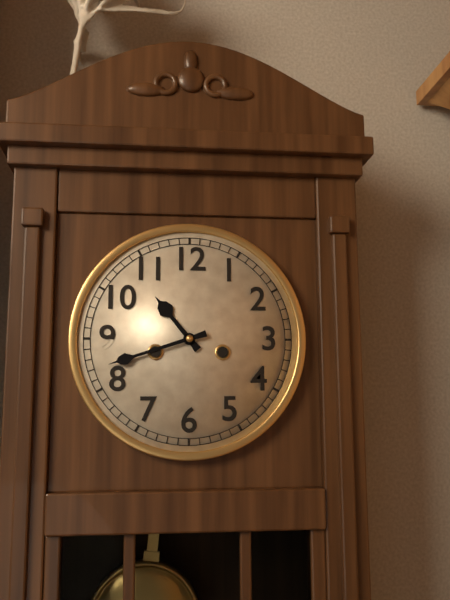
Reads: 10:42
